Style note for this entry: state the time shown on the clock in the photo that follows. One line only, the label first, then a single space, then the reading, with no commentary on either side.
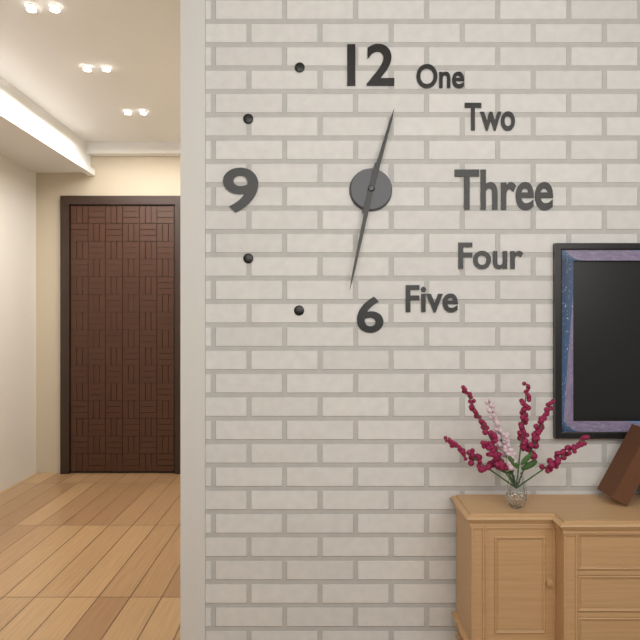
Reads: 12:32
